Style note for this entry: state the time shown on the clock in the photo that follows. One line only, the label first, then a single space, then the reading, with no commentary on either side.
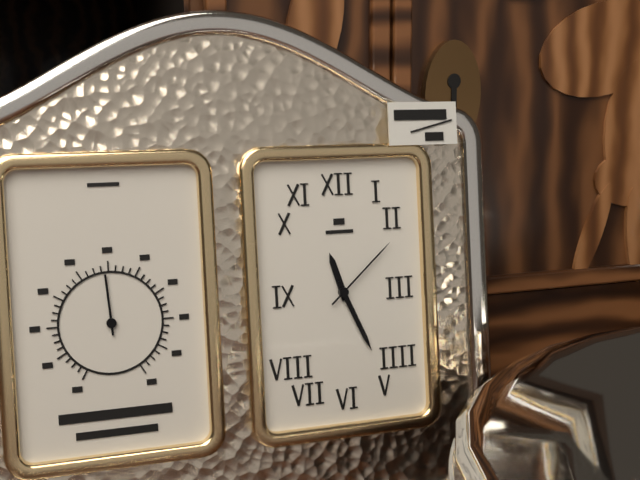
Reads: 11:26:08
